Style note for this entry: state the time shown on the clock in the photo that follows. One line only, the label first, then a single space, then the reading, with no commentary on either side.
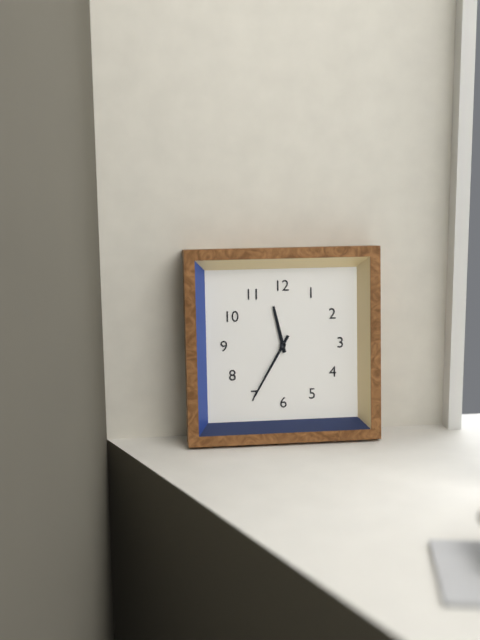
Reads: 11:35
